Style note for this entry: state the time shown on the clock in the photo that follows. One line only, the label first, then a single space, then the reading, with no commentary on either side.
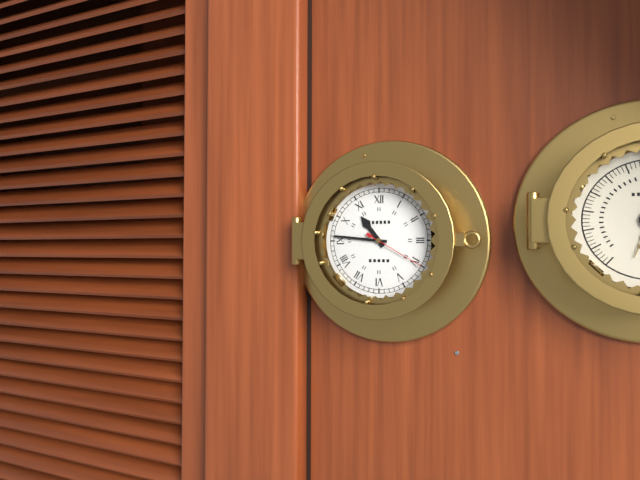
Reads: 10:46:20
